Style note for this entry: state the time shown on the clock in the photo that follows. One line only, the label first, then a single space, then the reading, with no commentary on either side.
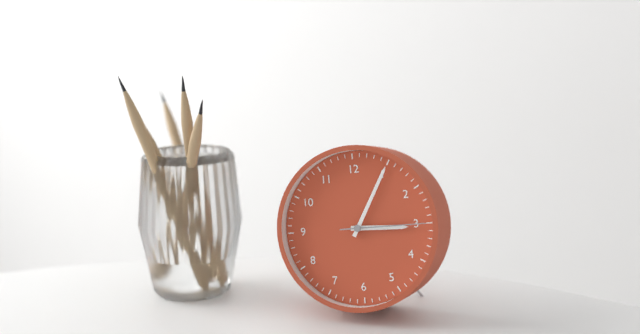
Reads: 3:05:15
